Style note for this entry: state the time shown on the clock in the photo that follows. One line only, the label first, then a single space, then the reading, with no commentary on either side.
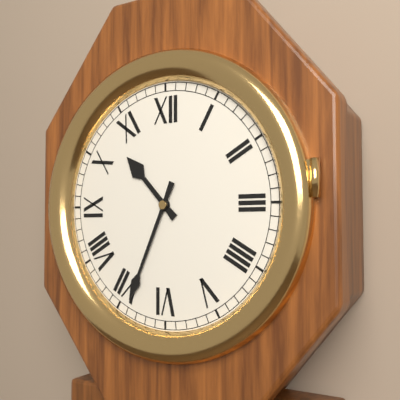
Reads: 10:34
